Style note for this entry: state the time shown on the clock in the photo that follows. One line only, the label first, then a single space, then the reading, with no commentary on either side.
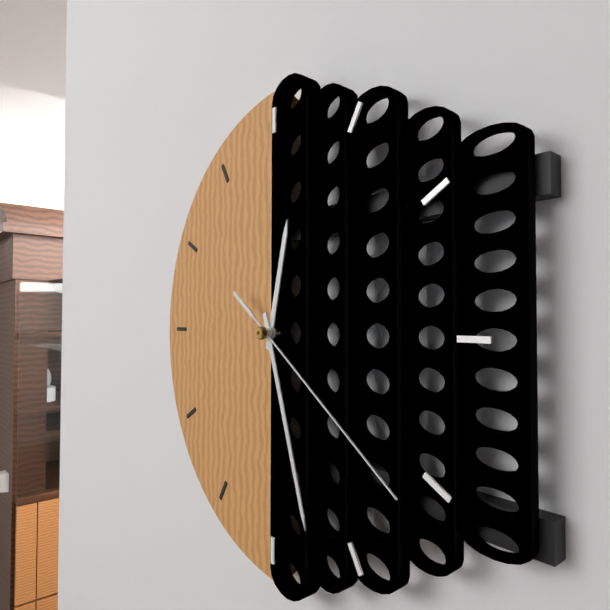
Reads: 12:27:21
